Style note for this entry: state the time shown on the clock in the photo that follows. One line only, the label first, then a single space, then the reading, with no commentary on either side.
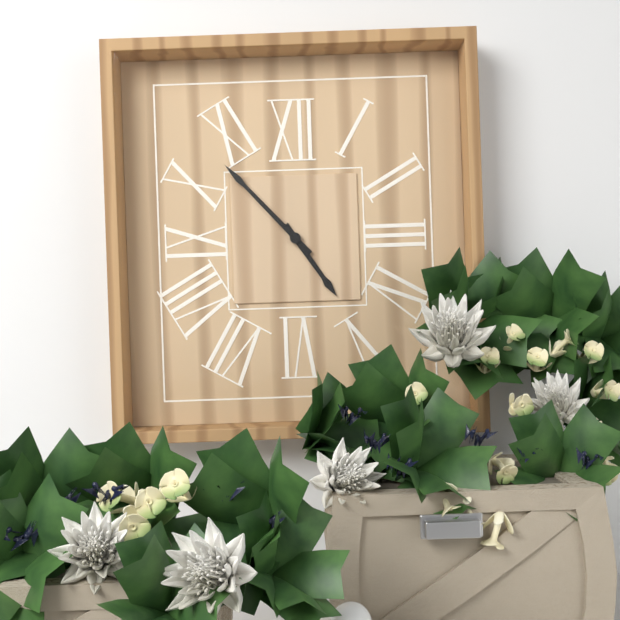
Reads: 4:53
